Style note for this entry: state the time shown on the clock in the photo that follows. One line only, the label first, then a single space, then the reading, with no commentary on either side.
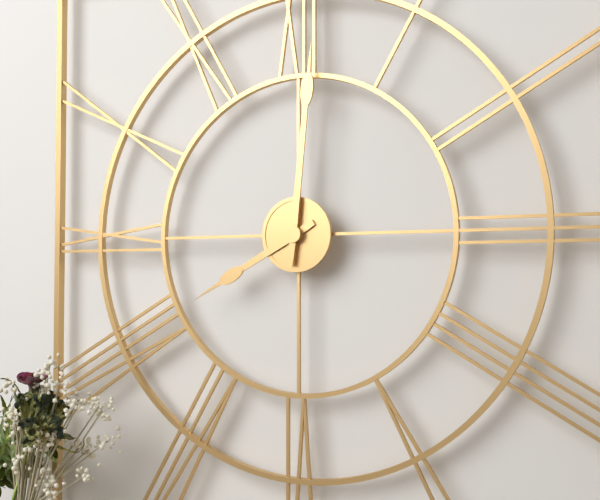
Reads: 8:01
